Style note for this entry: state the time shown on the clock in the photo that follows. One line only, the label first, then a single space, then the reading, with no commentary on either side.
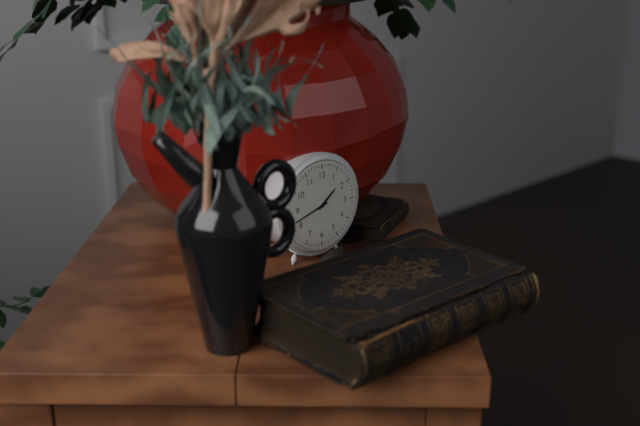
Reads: 1:42
